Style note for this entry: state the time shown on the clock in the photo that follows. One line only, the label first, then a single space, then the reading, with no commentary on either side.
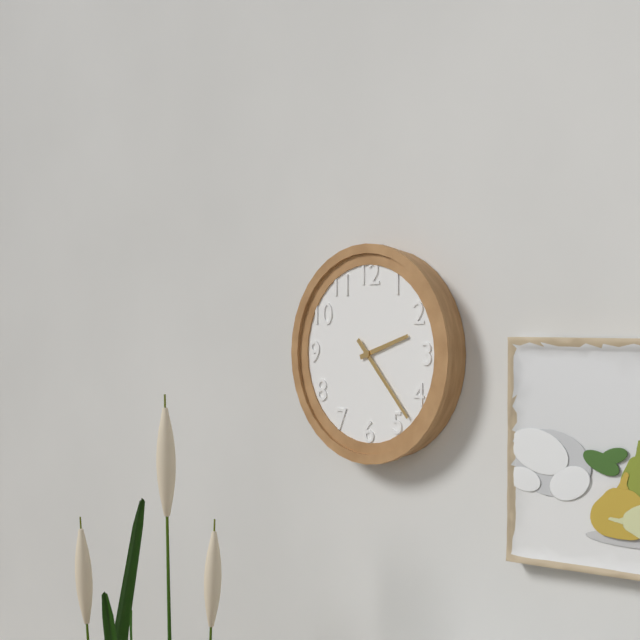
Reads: 2:23
